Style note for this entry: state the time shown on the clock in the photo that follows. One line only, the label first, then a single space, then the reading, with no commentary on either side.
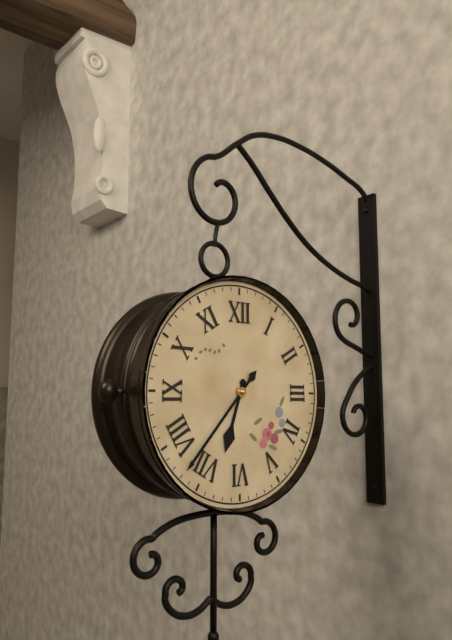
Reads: 6:37
